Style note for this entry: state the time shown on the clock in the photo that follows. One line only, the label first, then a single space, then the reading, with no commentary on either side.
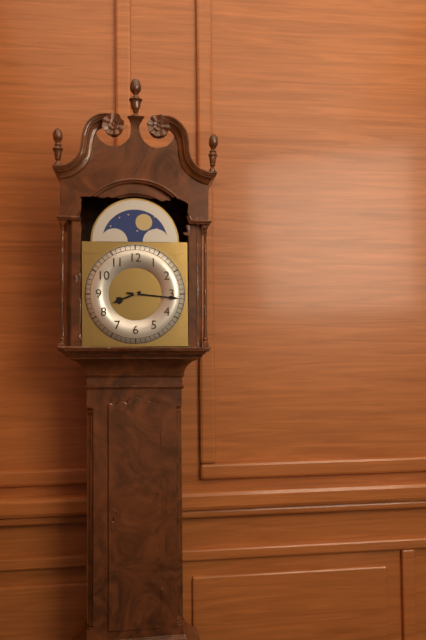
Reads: 8:16
